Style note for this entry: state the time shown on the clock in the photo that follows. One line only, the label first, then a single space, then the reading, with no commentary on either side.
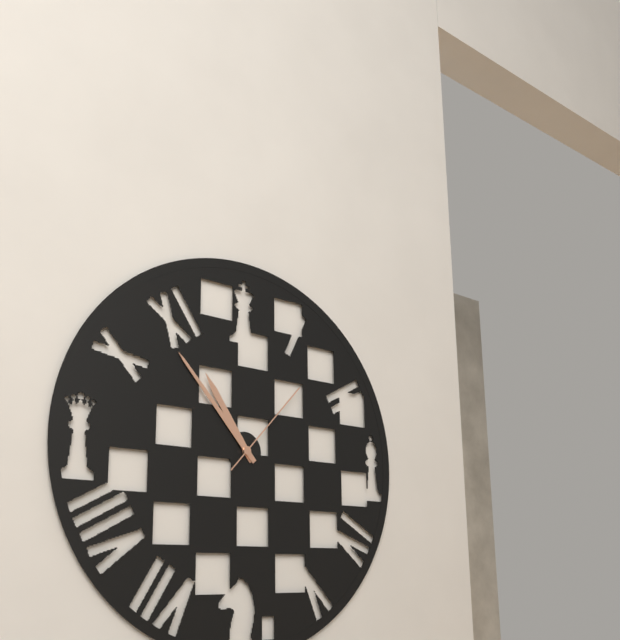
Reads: 10:53:07
